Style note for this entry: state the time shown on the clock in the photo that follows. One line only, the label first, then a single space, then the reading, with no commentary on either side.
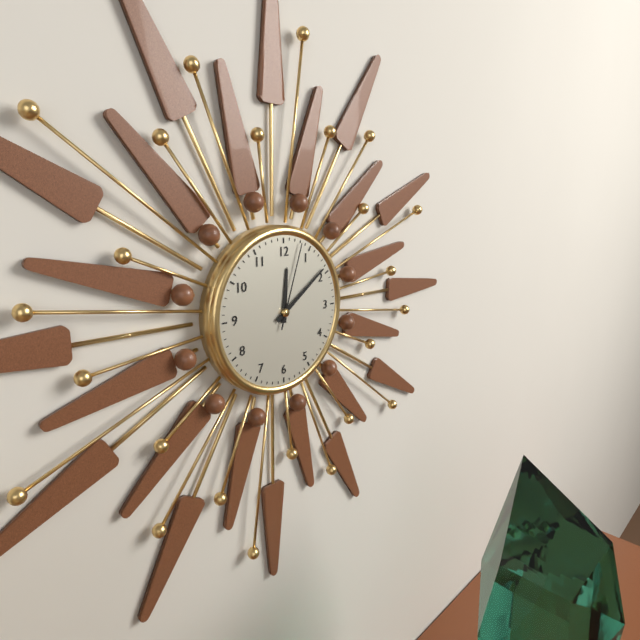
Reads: 12:09:03
